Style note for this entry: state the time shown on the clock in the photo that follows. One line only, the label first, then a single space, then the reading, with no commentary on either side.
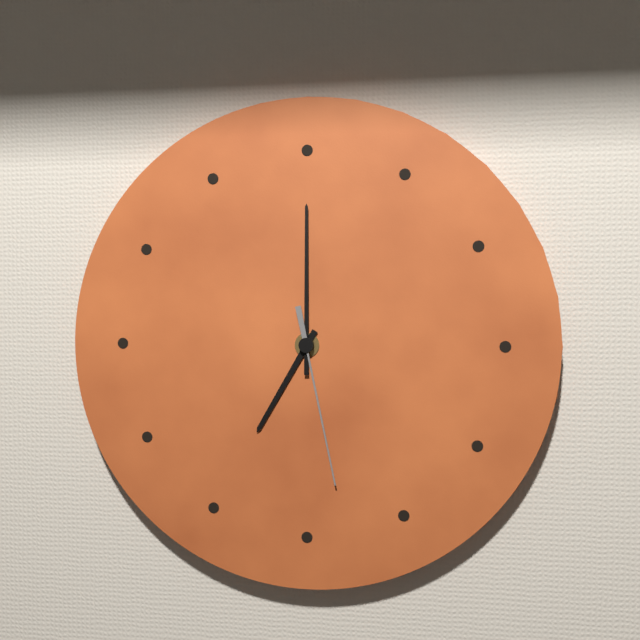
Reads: 7:00:28
